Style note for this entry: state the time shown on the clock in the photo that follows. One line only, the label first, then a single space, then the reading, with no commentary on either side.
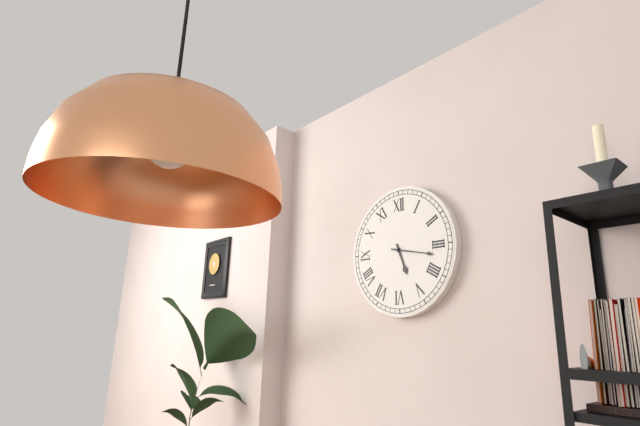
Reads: 5:17
